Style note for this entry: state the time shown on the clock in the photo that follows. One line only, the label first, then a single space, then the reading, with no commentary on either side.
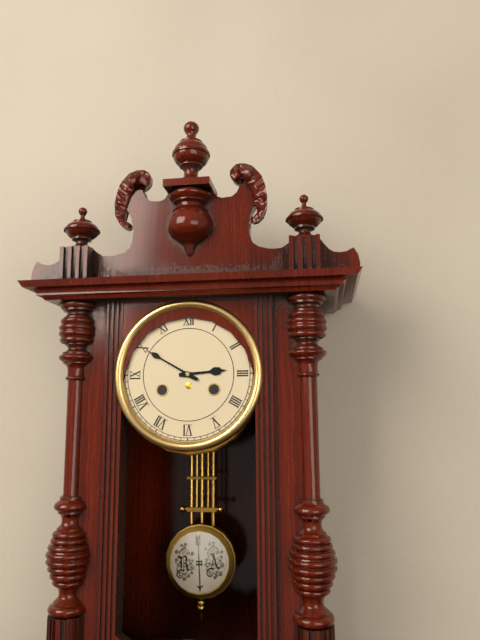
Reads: 2:50
